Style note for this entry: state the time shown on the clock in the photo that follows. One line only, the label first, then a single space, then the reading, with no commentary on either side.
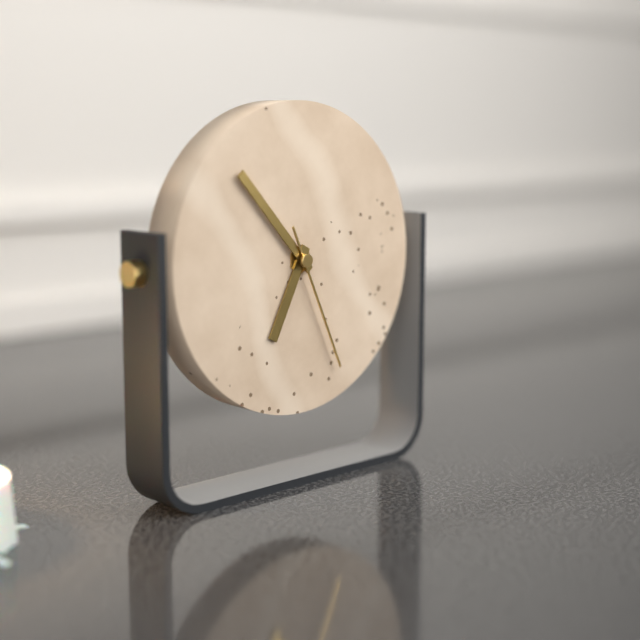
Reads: 6:53:26
